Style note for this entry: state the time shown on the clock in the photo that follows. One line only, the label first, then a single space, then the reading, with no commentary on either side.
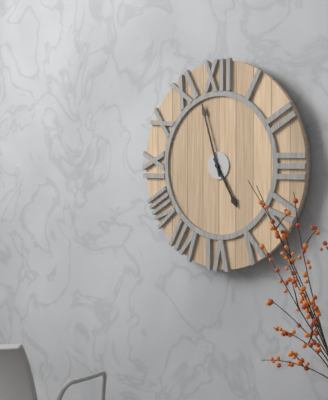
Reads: 4:57
